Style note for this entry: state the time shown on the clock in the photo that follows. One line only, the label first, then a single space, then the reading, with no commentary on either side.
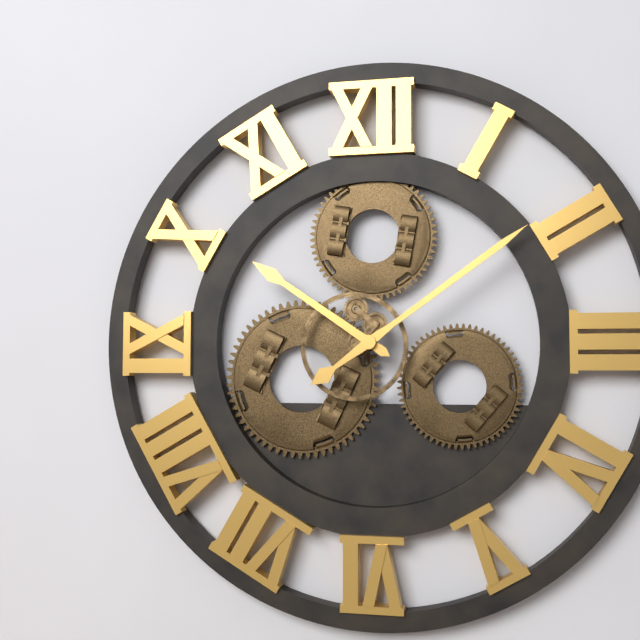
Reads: 10:09
